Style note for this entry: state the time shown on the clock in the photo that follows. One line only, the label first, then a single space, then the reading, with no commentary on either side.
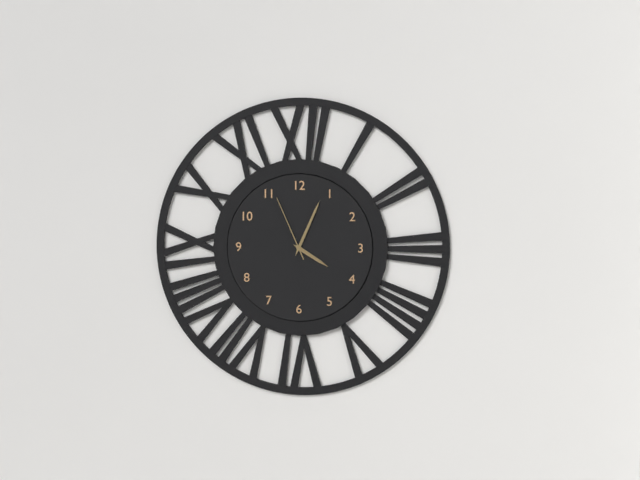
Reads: 4:04:56
